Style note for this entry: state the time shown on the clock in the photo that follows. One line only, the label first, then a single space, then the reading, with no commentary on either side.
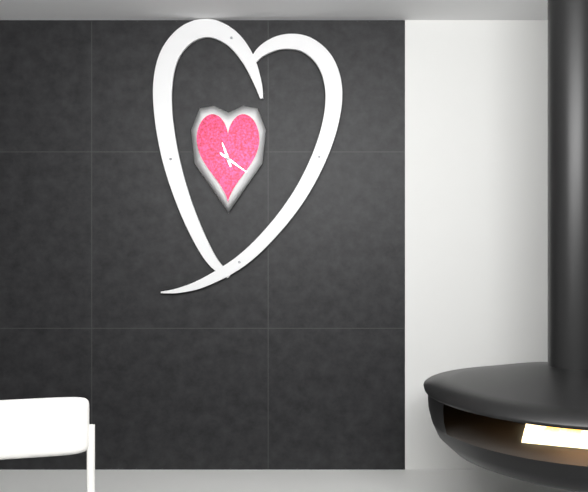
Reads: 11:21
